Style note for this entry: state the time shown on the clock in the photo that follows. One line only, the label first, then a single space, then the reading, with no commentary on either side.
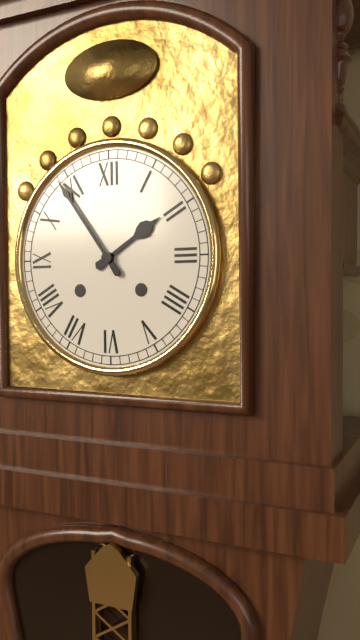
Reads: 1:54
